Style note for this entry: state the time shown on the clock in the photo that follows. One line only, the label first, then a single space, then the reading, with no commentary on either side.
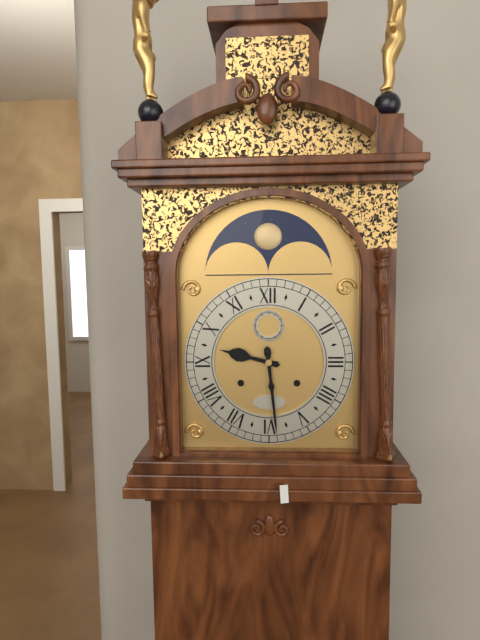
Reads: 9:29
